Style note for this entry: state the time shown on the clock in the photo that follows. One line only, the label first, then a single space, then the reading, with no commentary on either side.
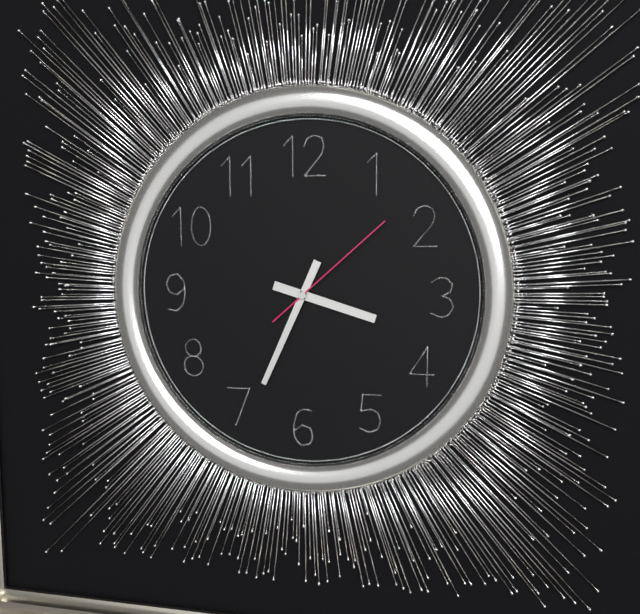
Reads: 3:34:08
